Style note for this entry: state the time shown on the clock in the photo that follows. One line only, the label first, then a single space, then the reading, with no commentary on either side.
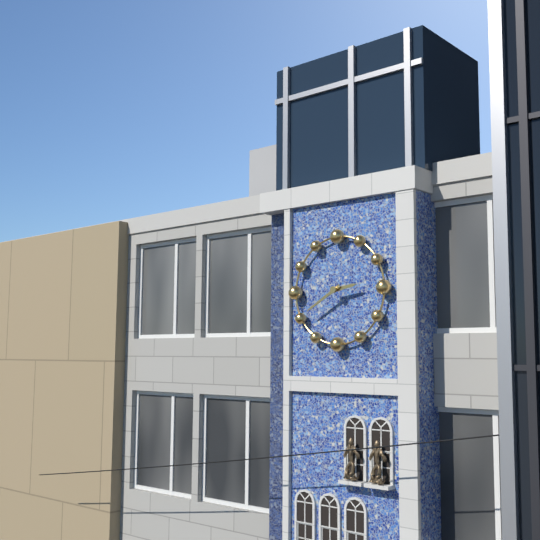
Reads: 2:40
